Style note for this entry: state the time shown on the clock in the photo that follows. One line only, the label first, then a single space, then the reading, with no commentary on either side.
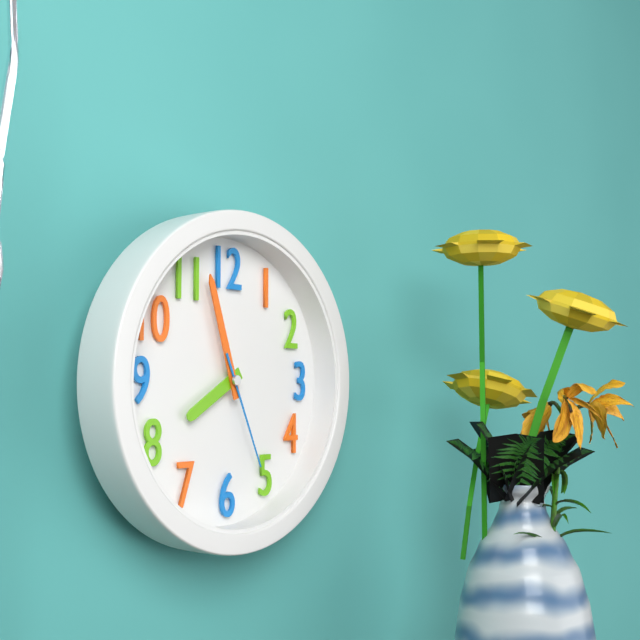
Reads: 7:57:26
